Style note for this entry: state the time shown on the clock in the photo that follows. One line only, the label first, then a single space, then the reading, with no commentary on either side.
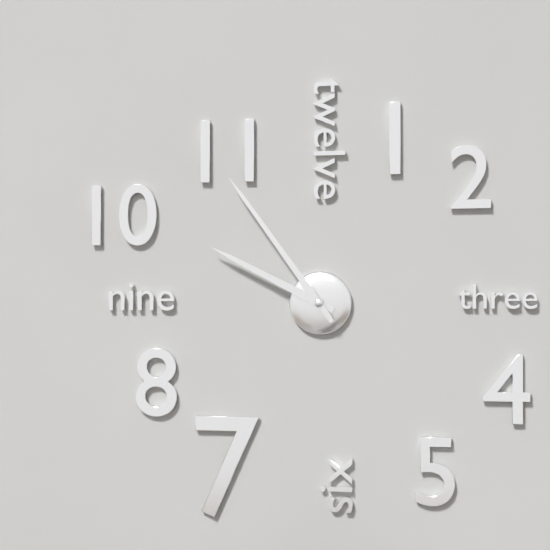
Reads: 9:54
